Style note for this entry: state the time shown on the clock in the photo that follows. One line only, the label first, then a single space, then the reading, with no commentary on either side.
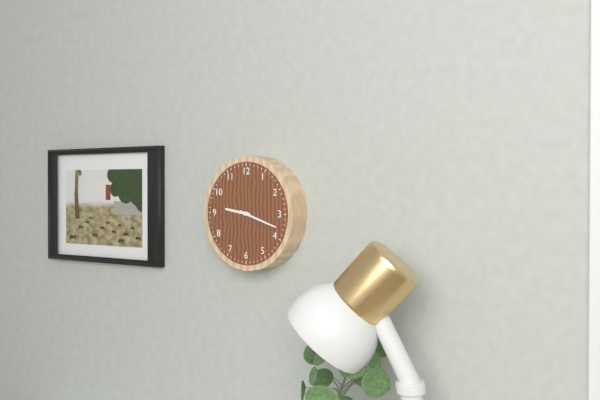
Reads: 9:18
